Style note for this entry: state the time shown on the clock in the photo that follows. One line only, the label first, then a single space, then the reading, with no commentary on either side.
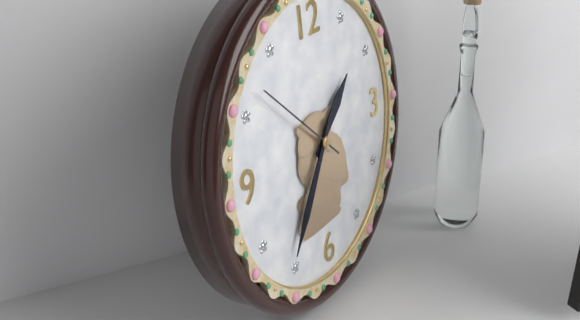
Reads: 1:36:52
